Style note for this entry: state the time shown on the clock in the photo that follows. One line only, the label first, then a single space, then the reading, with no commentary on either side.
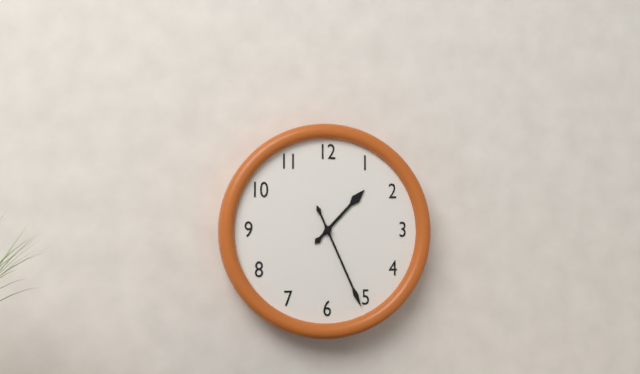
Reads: 1:26
